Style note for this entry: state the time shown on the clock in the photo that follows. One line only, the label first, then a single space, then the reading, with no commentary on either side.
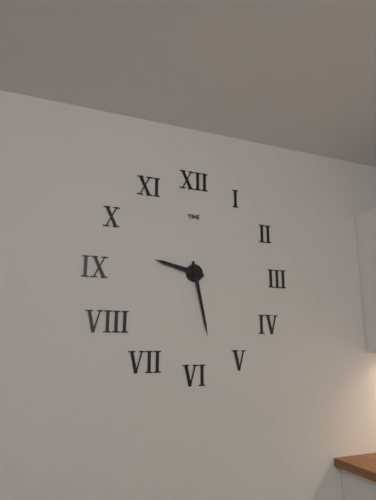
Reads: 9:28
